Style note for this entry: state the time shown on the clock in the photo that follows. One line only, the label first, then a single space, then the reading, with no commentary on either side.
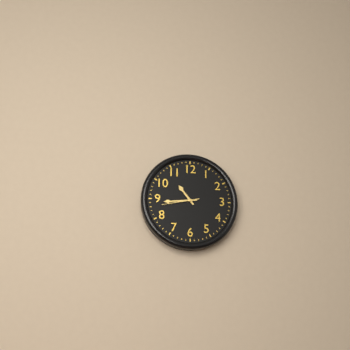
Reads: 10:44
